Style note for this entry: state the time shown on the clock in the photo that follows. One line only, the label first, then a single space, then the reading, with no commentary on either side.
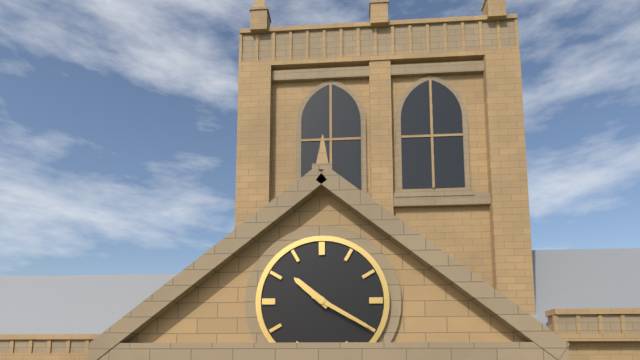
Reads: 10:20
